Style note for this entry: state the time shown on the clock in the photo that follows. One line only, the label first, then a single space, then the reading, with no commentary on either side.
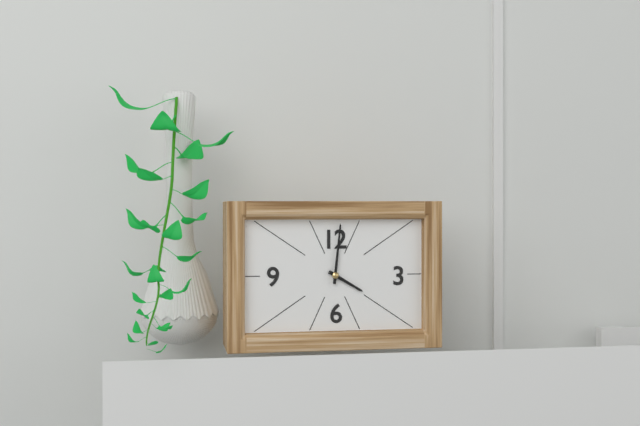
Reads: 4:01
